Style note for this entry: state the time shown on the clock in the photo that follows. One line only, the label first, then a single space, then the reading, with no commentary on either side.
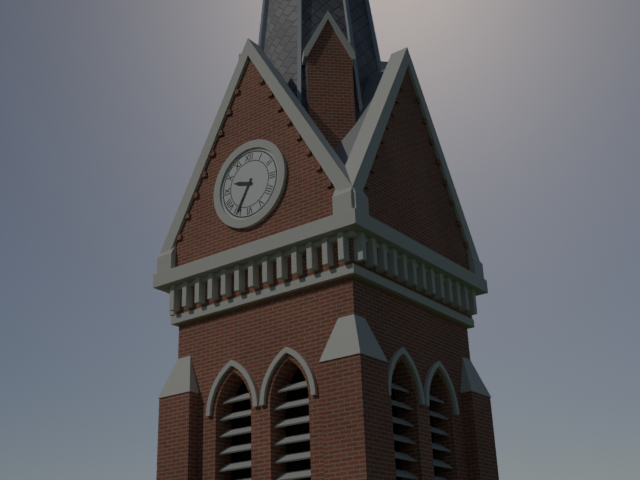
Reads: 9:35
